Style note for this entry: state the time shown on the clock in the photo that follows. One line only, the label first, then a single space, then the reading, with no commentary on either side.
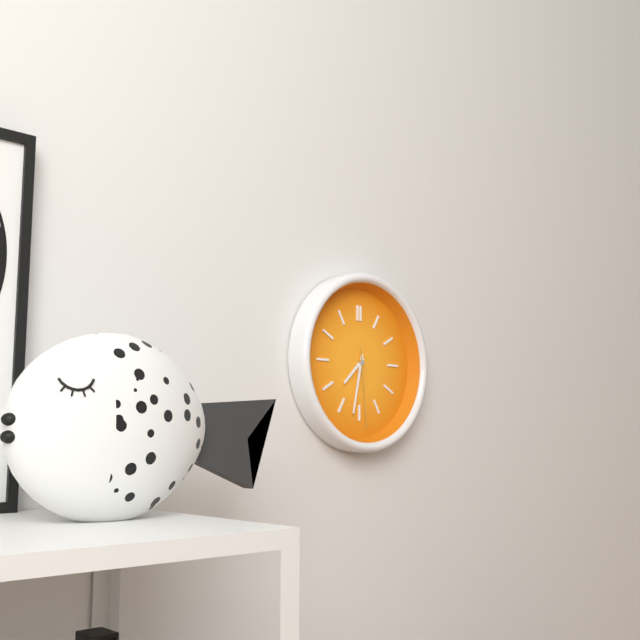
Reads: 7:32:29
